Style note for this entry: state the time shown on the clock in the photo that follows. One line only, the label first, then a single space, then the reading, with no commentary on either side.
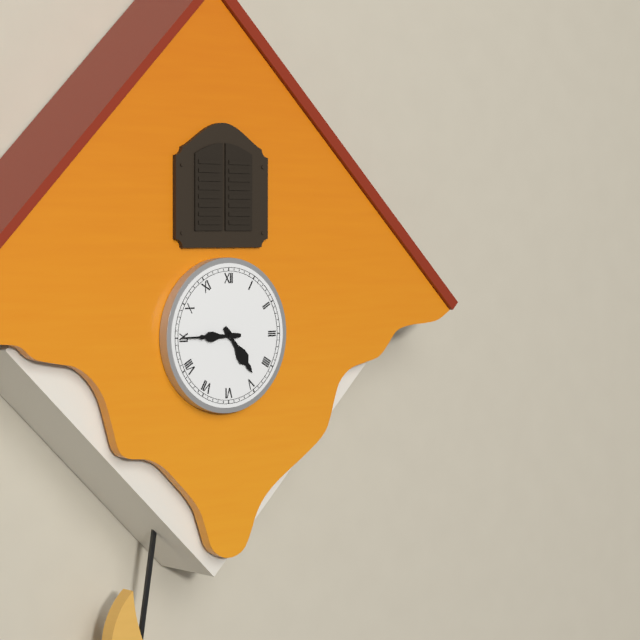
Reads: 4:45
